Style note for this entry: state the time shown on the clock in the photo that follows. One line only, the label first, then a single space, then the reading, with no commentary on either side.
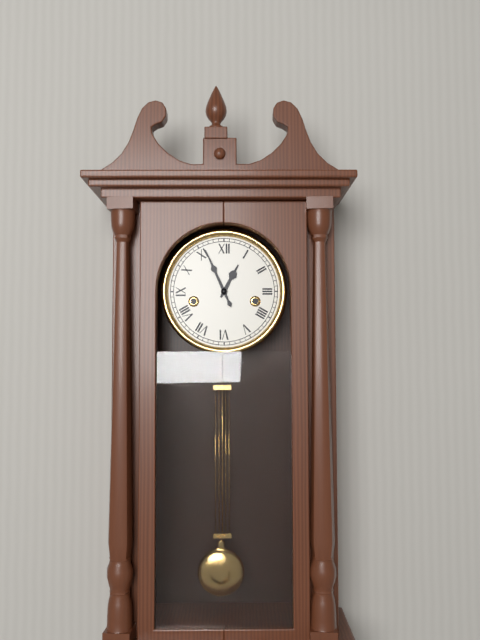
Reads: 12:56
